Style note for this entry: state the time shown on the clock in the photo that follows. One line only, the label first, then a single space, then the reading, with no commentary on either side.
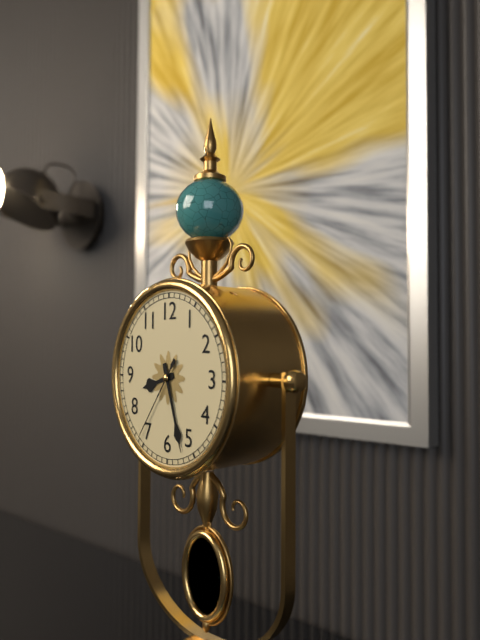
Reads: 8:27:36
